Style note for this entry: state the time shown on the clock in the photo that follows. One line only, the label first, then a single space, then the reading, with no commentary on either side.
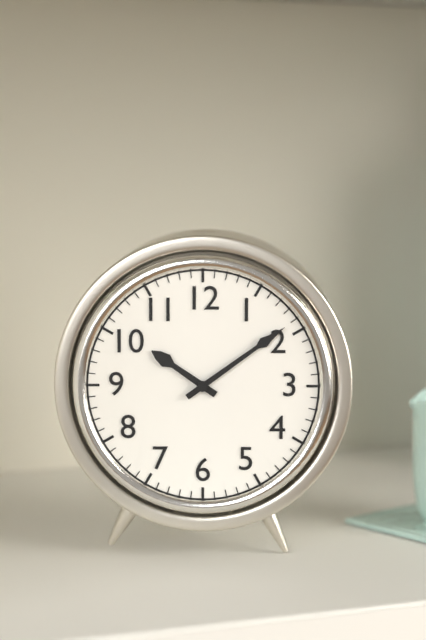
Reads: 10:09
